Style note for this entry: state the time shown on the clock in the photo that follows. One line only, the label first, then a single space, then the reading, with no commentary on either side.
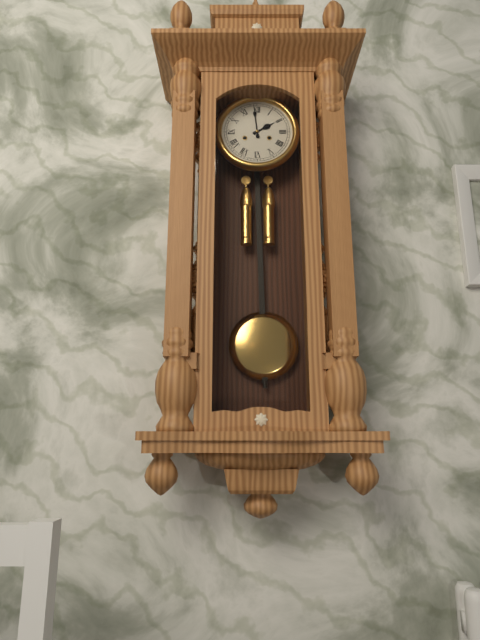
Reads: 1:59
